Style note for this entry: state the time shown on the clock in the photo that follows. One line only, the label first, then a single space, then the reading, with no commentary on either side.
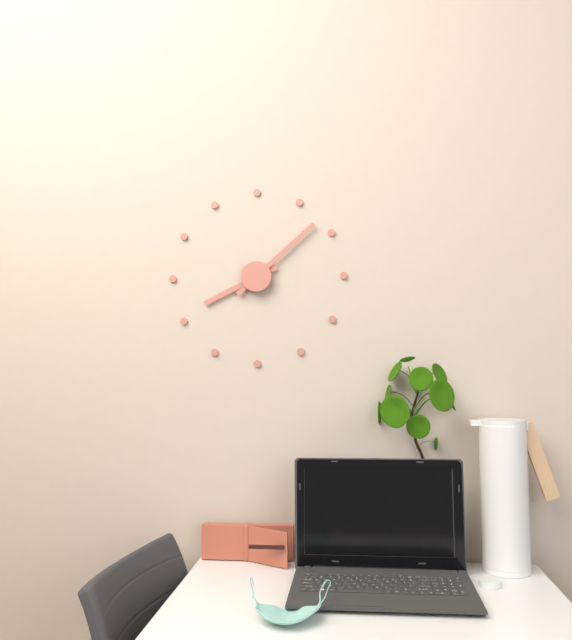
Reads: 8:08
